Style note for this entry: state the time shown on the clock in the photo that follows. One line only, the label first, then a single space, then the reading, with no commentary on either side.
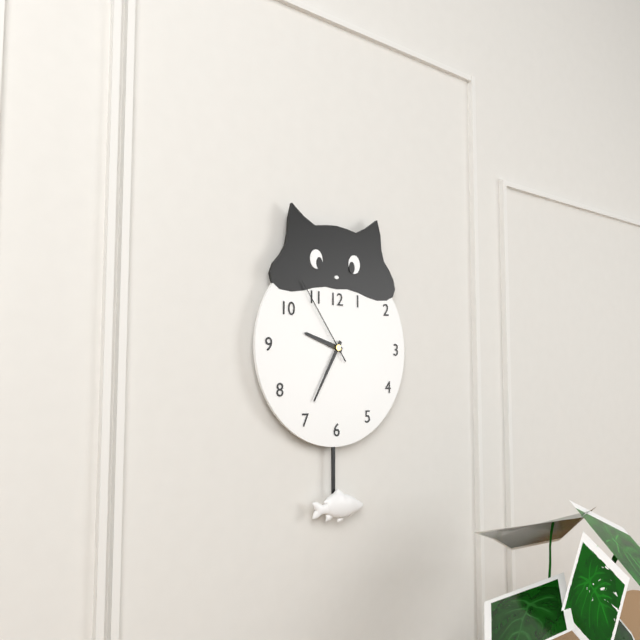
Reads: 9:35:54
